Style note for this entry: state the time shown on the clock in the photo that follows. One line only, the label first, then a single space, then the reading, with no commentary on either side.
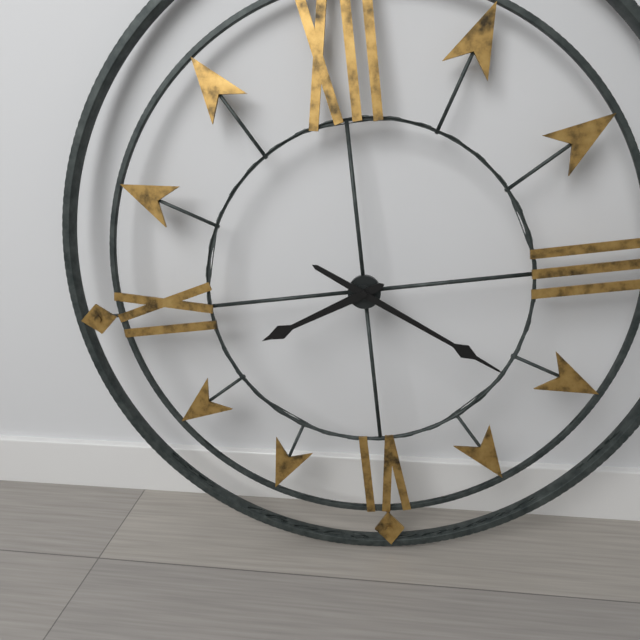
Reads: 8:21
